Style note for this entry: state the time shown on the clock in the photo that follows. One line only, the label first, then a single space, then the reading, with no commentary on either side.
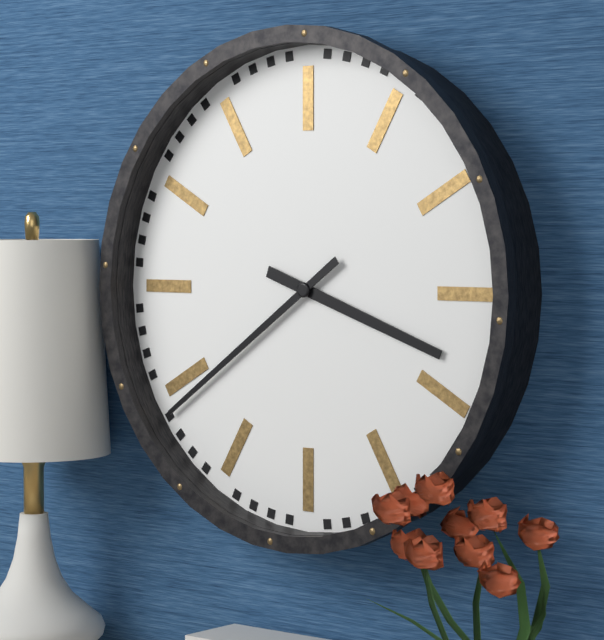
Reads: 3:39
